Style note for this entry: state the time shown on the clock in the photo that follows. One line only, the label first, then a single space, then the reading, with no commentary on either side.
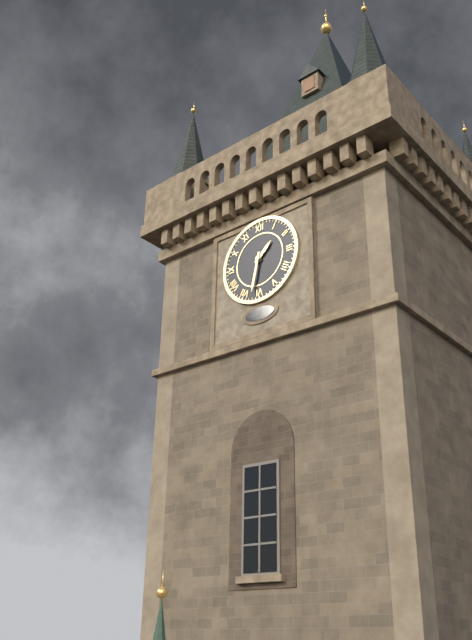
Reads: 1:32
